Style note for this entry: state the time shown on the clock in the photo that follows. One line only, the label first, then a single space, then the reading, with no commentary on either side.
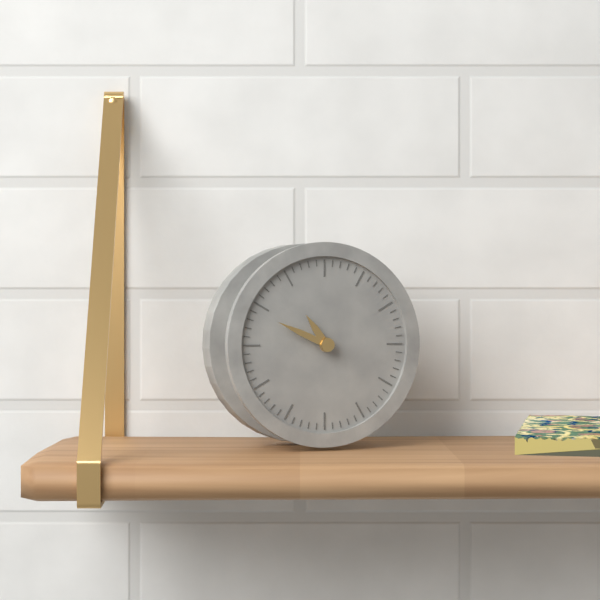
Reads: 10:49
